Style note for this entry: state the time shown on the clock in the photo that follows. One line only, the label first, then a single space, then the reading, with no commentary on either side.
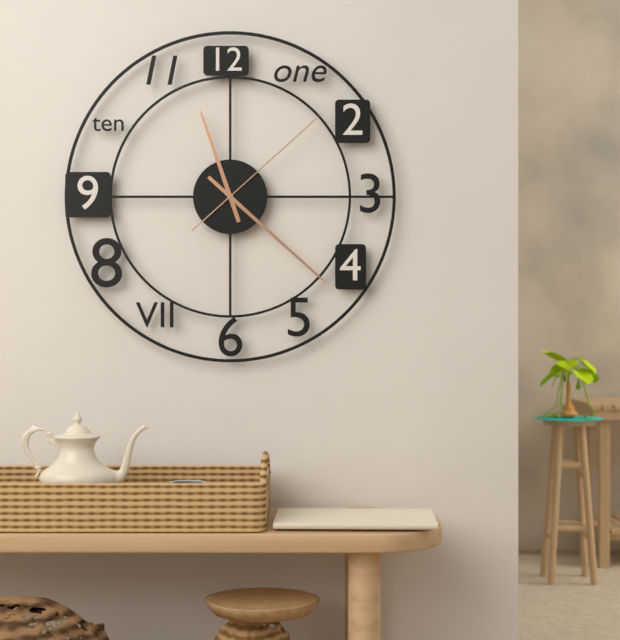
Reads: 11:22:08
